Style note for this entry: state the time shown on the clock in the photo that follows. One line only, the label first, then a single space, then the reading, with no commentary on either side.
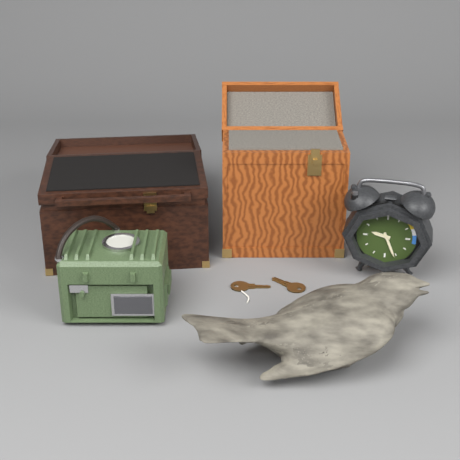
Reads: 9:26
